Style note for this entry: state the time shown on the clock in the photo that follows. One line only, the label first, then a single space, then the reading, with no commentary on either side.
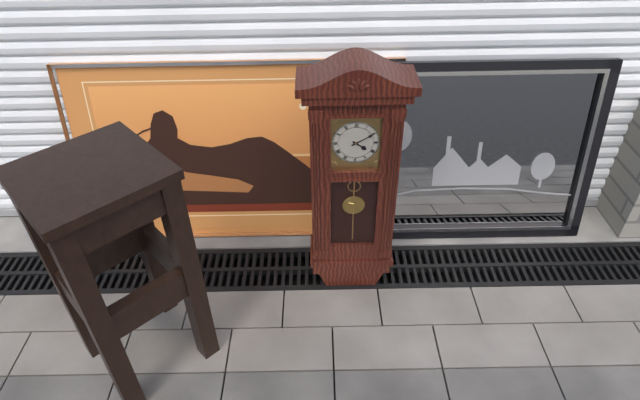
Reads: 4:10
